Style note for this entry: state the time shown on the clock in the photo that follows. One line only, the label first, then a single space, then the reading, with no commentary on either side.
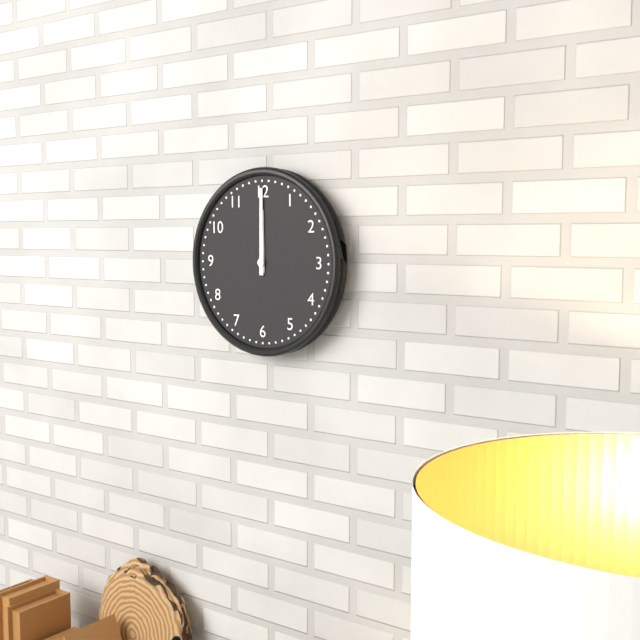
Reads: 12:00
